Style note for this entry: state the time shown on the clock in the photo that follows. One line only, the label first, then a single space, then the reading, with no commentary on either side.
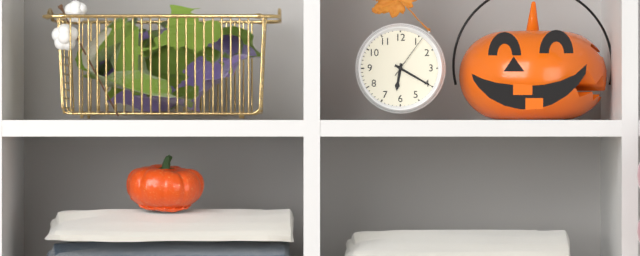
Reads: 6:20
